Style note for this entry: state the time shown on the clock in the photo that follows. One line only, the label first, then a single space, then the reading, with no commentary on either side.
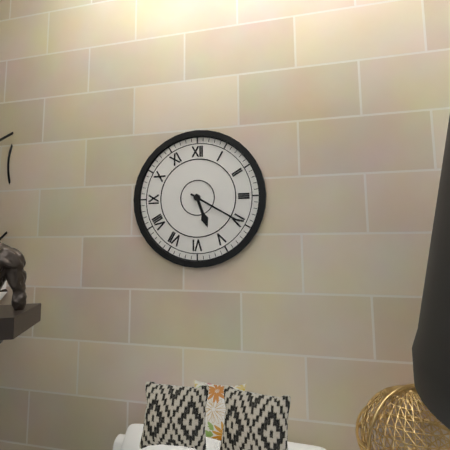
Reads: 5:20
